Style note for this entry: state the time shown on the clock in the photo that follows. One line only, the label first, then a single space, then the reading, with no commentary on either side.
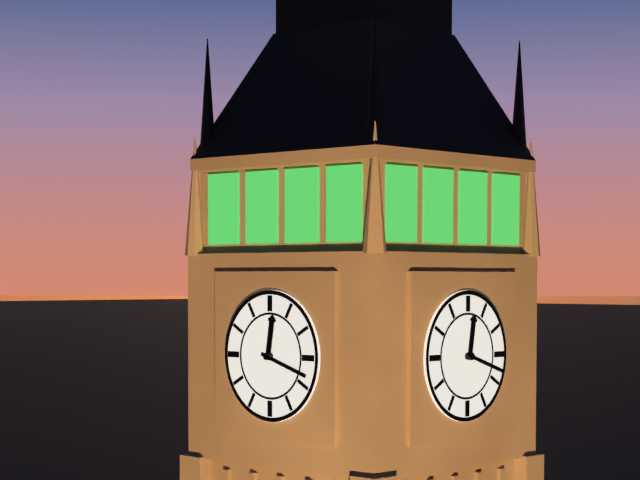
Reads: 12:18
